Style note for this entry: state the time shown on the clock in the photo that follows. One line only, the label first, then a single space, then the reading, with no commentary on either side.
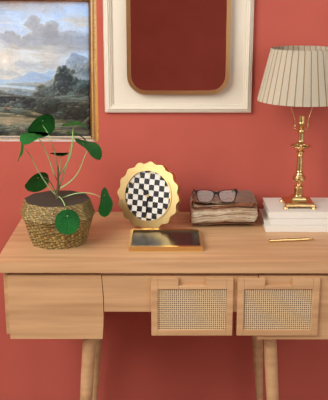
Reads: 10:30
